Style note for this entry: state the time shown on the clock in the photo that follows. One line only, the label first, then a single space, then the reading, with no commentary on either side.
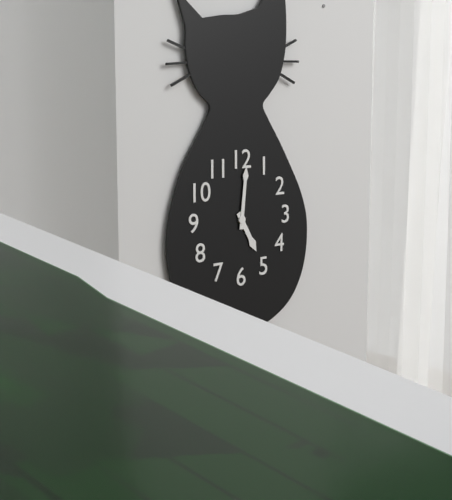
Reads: 5:01
